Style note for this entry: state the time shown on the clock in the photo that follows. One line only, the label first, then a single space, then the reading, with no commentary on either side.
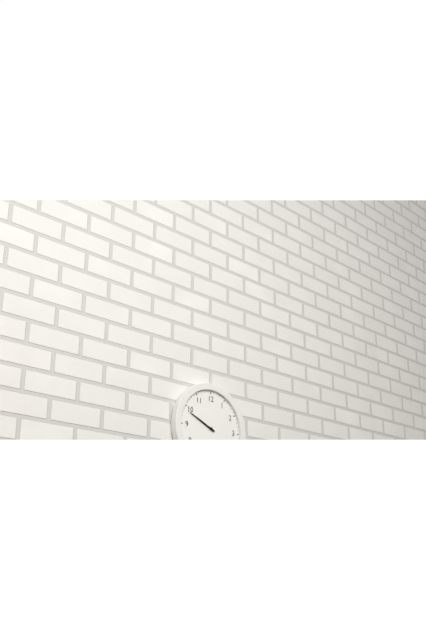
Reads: 9:49
